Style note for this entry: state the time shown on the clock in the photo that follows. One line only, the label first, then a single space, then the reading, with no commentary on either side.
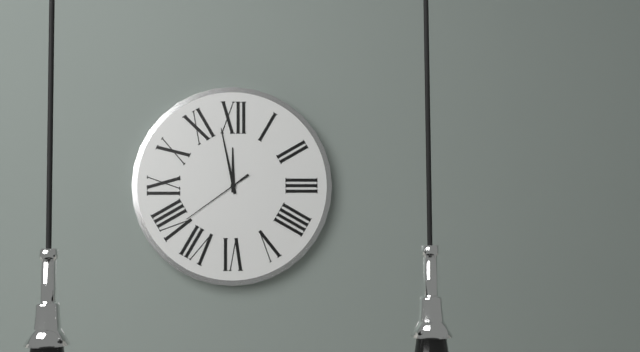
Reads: 11:58:39
